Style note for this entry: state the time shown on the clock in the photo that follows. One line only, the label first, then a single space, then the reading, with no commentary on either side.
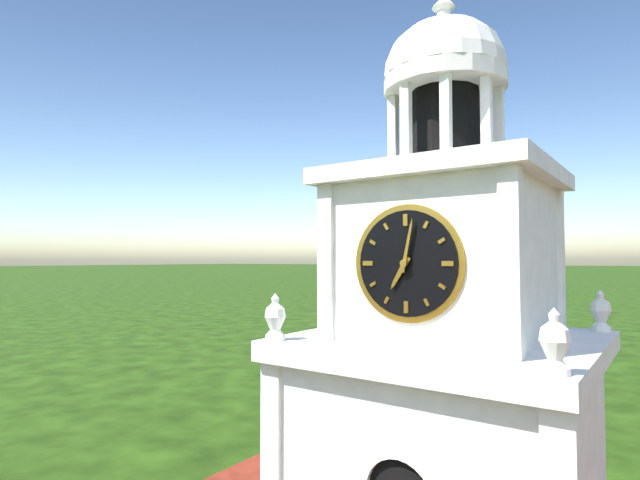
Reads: 7:02
